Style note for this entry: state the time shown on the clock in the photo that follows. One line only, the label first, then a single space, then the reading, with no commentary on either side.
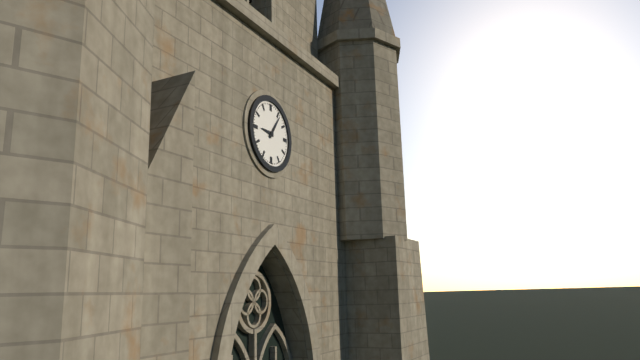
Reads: 9:06
